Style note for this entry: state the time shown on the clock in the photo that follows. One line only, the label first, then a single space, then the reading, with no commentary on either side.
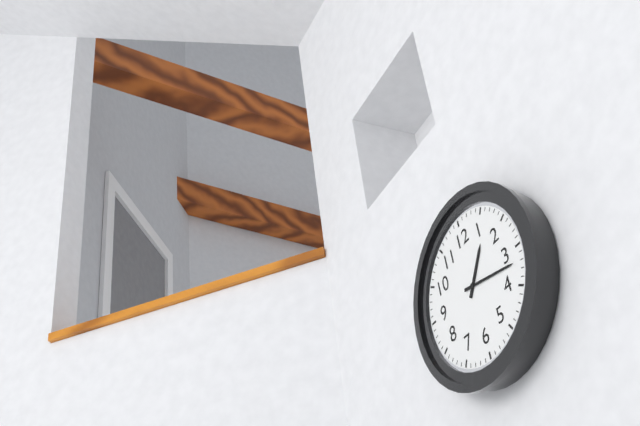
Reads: 1:17
